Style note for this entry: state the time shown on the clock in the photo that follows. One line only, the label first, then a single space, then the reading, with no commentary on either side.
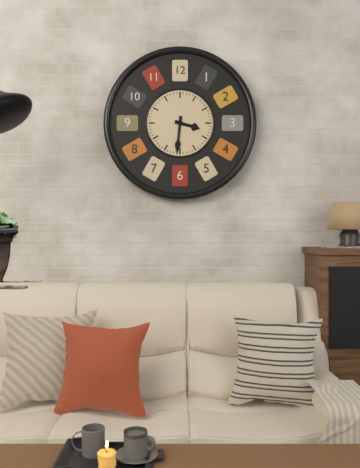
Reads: 3:31
